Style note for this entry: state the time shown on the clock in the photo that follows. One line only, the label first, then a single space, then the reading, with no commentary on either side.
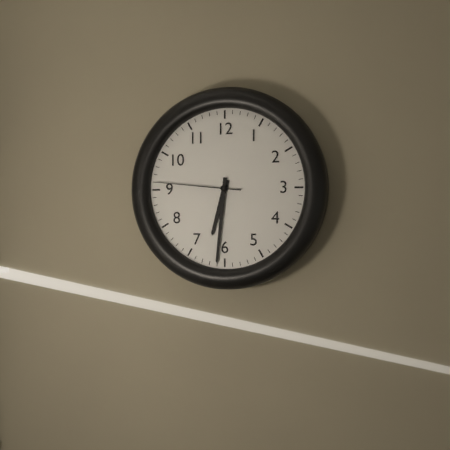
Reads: 6:31:46
